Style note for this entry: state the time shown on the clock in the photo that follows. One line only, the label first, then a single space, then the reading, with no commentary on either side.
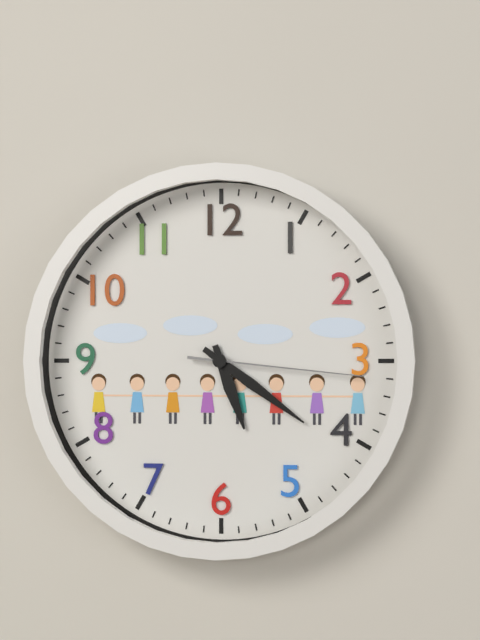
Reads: 5:21:16
